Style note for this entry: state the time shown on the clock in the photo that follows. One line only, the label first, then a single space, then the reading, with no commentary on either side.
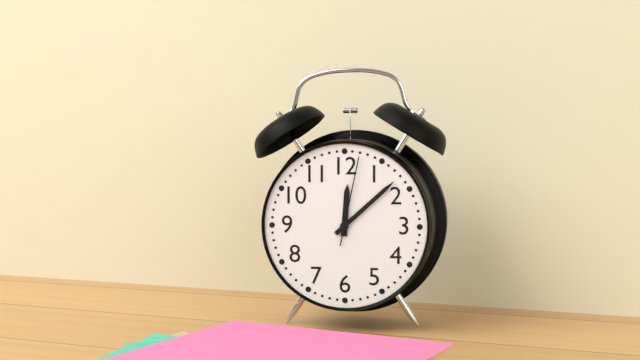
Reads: 12:08:02
